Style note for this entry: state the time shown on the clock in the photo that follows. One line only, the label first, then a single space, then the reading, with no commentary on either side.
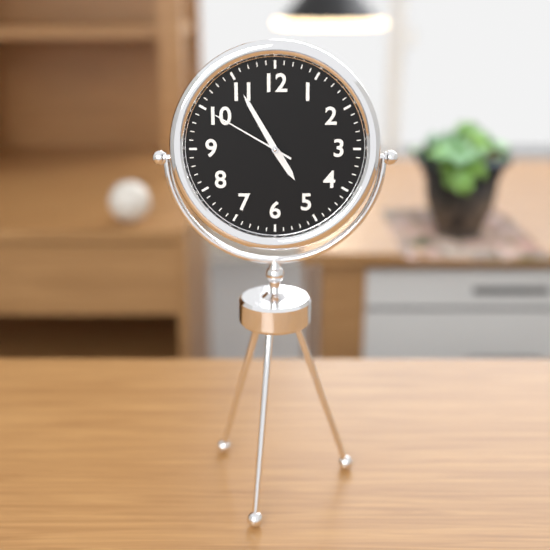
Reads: 4:55:50
